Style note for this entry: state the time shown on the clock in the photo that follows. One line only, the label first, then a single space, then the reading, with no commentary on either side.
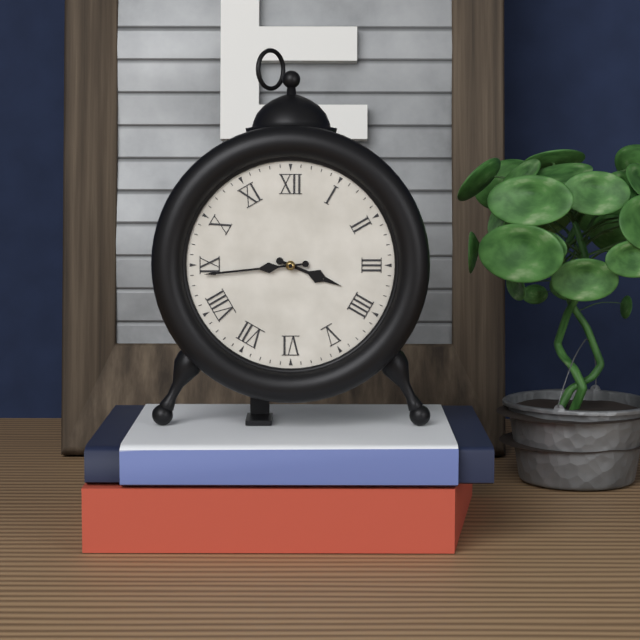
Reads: 3:44
